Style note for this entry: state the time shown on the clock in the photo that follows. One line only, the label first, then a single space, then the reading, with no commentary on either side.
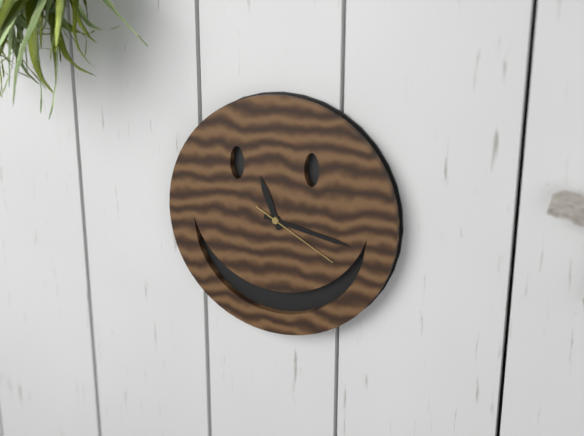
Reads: 11:17:20
